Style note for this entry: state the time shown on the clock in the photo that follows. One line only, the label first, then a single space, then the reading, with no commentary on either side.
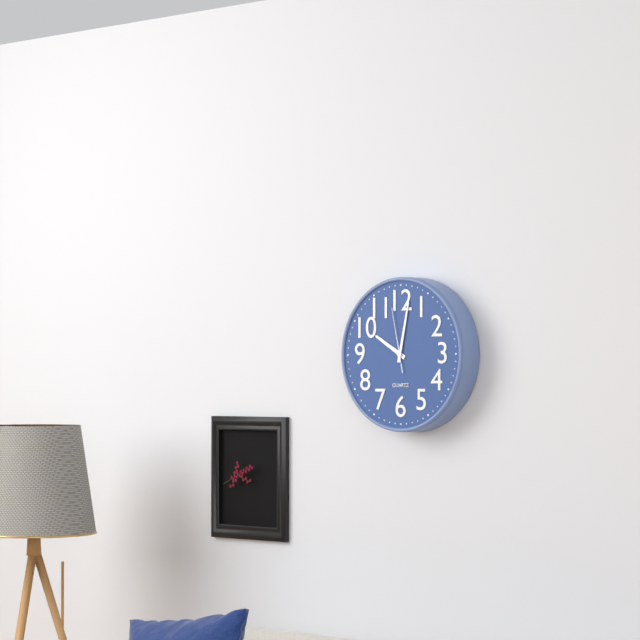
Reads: 10:02:58
